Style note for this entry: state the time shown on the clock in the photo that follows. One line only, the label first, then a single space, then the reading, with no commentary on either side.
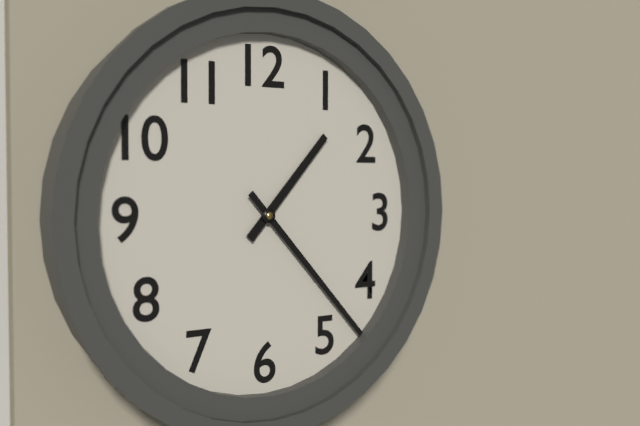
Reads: 1:23
